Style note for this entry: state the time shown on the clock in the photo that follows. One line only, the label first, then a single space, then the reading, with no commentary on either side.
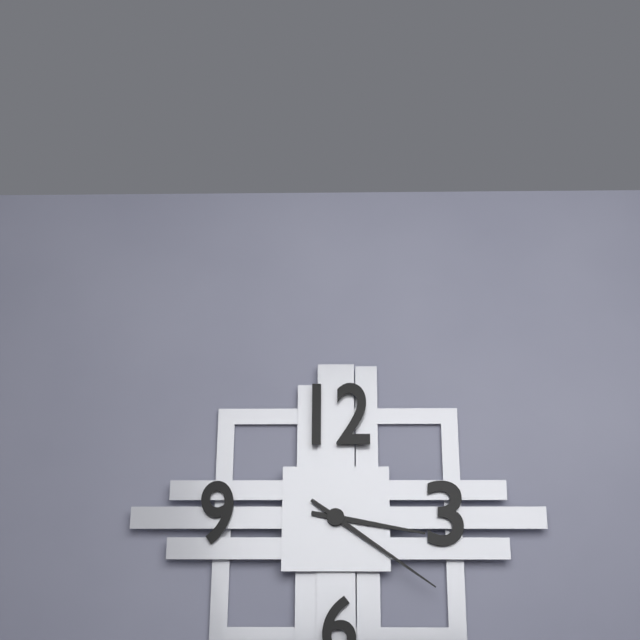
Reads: 3:21
